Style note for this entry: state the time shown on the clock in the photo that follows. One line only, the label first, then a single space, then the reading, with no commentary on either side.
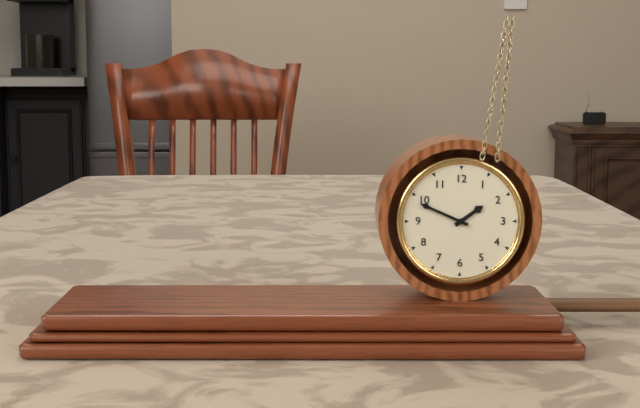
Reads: 1:49
